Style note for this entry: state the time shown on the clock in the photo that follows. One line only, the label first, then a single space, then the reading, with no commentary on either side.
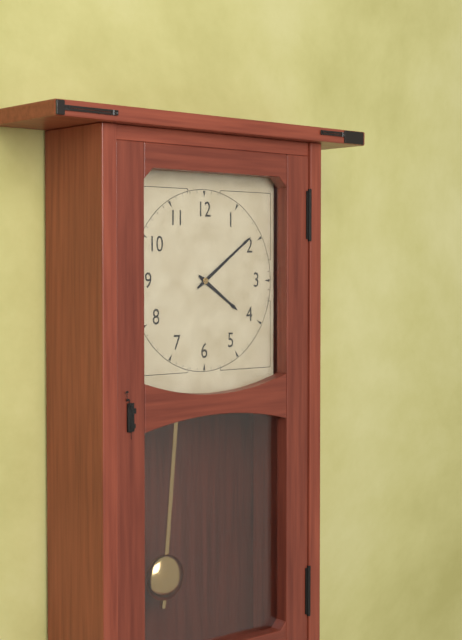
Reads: 4:09
